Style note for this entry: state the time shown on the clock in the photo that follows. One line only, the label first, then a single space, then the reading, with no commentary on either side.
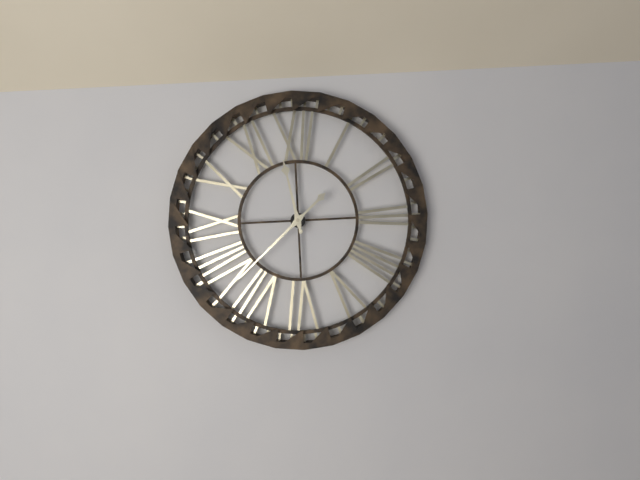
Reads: 11:38
